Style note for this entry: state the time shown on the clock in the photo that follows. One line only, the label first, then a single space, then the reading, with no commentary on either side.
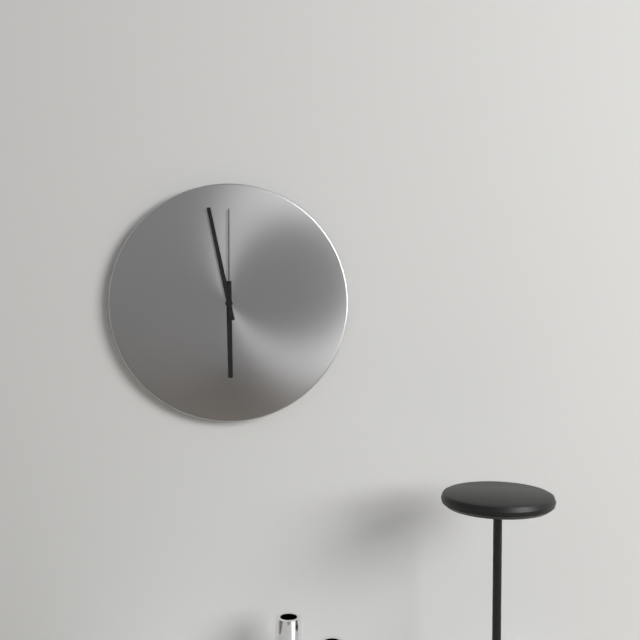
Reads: 5:58:00
